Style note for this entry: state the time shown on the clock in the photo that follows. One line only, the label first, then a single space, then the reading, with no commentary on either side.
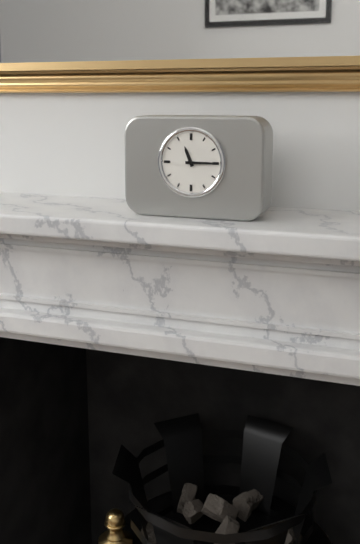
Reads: 11:15
